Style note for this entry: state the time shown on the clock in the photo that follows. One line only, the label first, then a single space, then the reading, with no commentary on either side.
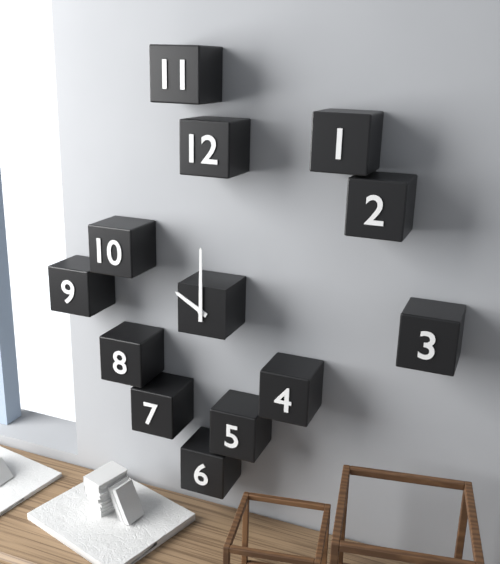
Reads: 10:00
